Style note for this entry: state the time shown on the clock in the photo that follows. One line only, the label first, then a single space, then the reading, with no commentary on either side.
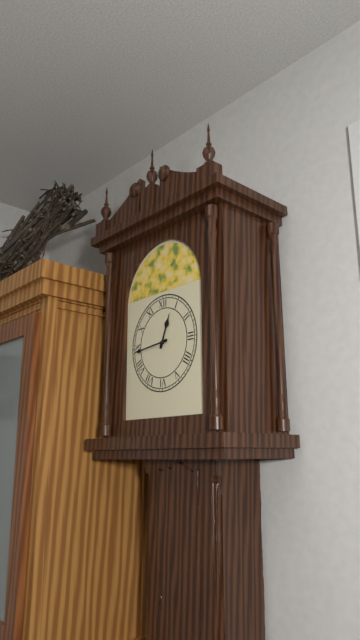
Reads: 12:44
